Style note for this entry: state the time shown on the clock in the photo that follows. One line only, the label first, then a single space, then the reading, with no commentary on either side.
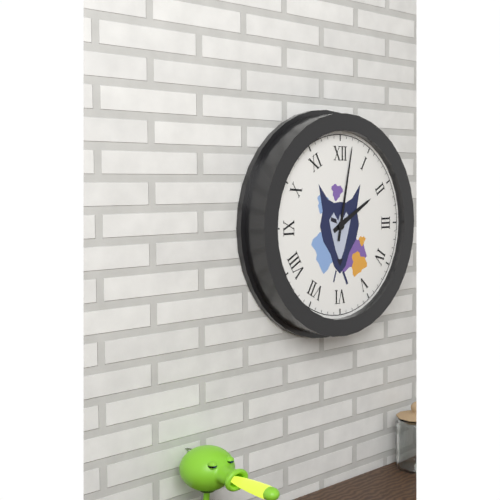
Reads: 2:02
